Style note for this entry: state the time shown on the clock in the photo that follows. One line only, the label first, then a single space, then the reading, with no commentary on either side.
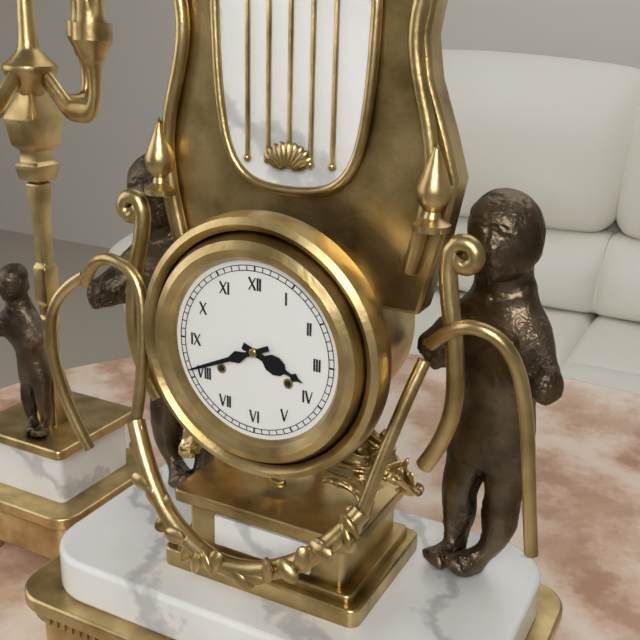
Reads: 3:41
